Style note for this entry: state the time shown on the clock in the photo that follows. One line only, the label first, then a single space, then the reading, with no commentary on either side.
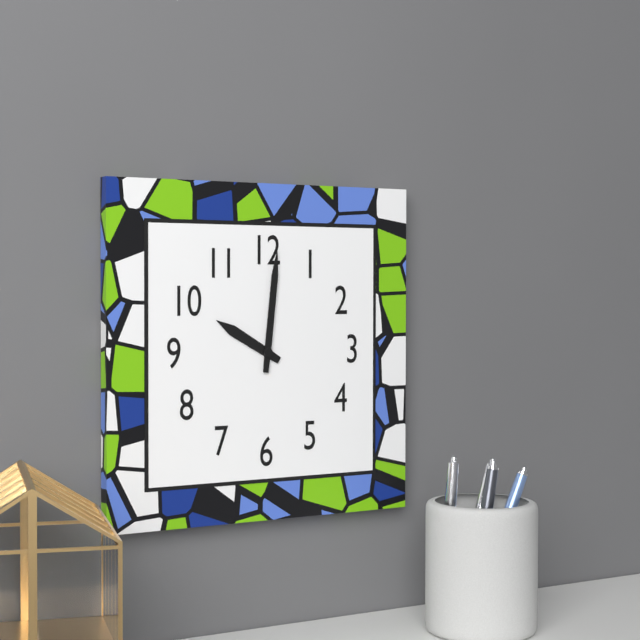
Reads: 10:01
